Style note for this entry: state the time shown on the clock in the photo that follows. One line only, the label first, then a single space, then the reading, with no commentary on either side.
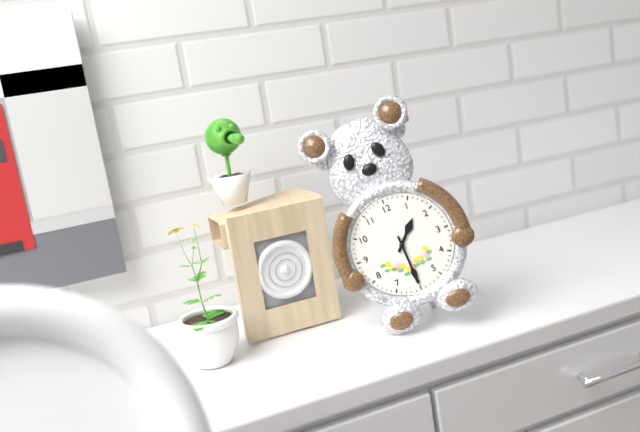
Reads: 1:30
